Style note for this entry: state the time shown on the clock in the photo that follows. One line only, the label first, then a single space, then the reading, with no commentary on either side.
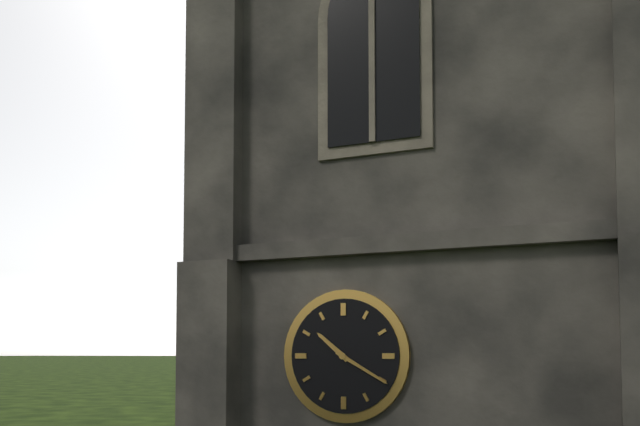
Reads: 10:20
